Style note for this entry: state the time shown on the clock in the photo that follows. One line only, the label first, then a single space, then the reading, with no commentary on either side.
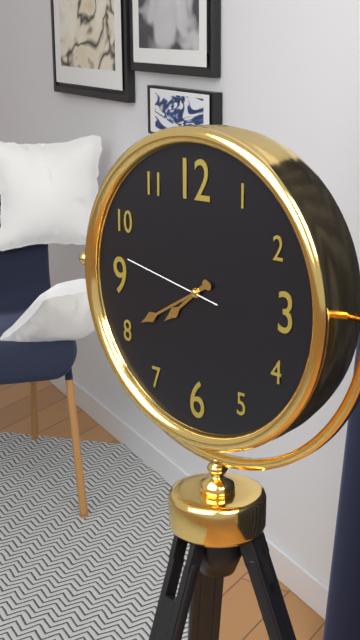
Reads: 7:40:47
